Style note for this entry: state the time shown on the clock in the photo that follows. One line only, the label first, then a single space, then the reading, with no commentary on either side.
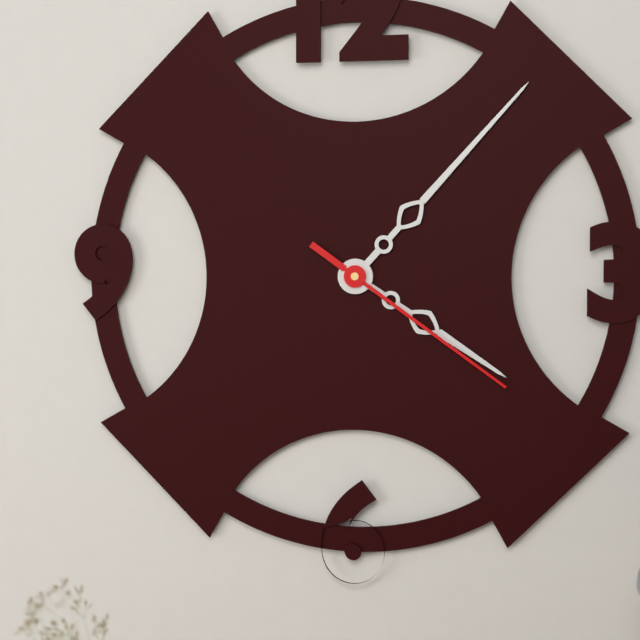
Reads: 4:07:21
